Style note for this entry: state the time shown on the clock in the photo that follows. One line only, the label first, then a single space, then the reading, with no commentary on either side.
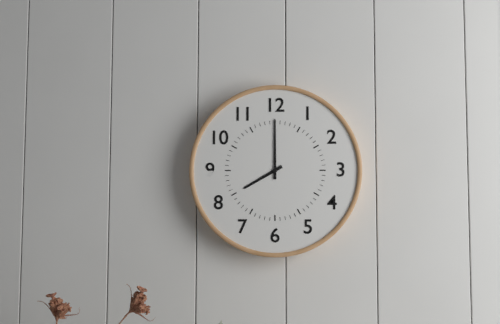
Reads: 8:00
